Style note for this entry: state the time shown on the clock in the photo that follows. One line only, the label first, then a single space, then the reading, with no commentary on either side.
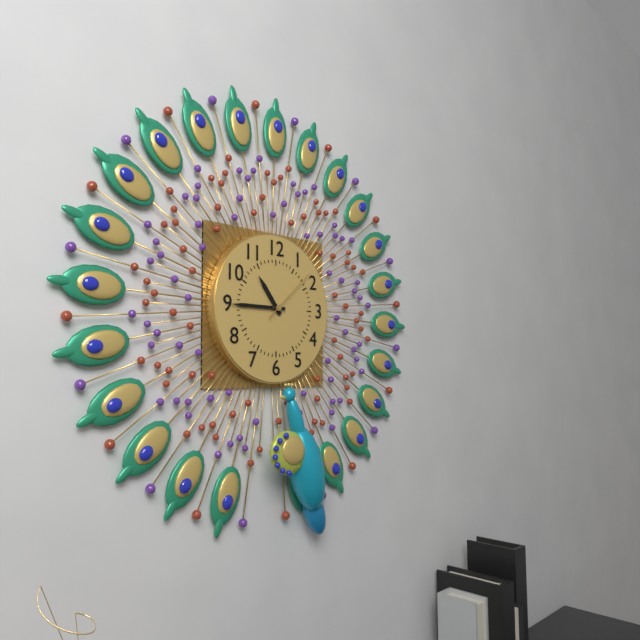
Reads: 10:45:08
